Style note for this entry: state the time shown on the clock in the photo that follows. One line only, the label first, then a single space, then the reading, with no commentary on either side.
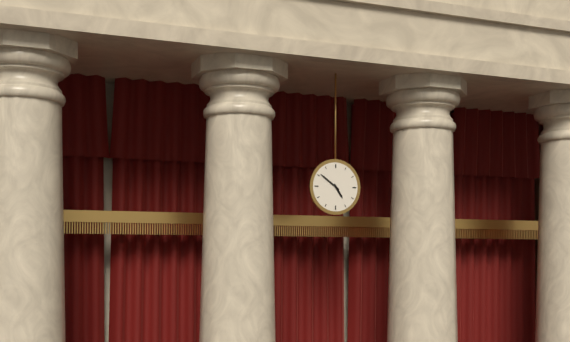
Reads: 4:51
